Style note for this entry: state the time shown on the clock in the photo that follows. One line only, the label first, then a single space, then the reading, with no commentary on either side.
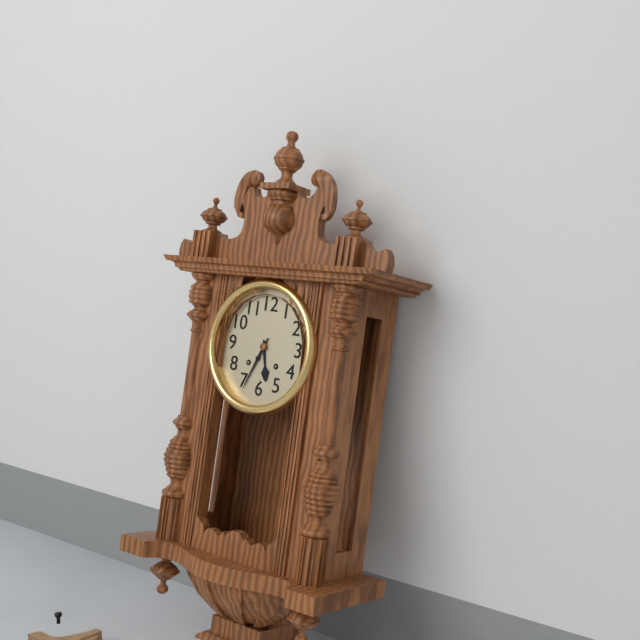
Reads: 5:34
